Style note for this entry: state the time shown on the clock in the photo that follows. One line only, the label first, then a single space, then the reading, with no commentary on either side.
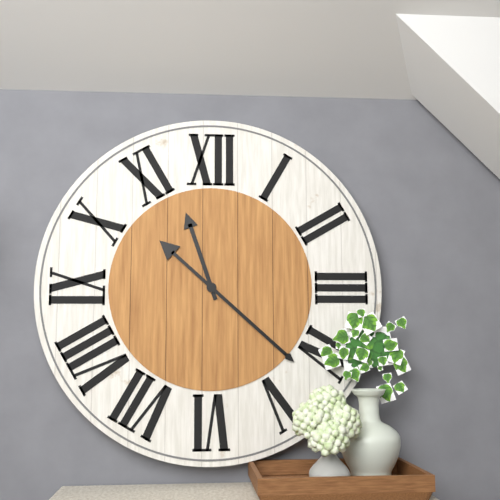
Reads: 11:22
